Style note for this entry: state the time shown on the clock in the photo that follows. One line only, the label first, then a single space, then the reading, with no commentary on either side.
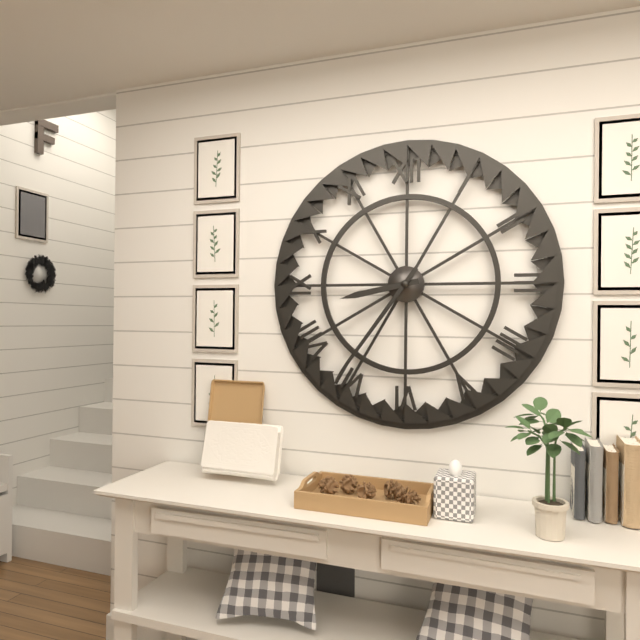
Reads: 8:36
